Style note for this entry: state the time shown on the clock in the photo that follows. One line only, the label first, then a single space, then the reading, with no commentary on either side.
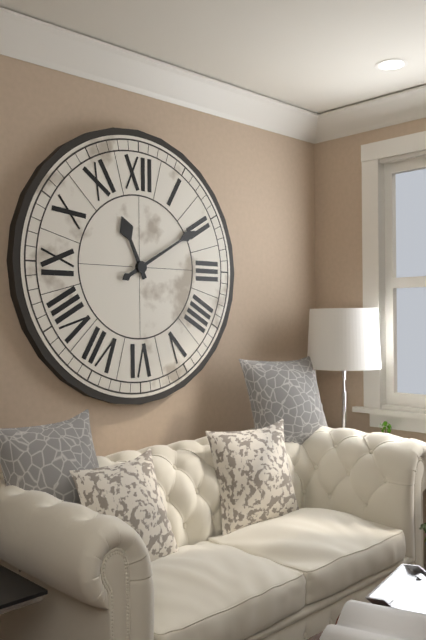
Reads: 11:10
